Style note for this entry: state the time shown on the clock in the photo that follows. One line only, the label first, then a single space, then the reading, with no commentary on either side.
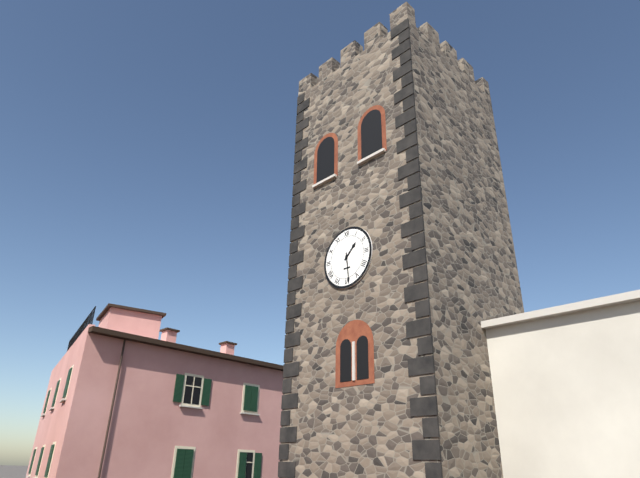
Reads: 1:29
